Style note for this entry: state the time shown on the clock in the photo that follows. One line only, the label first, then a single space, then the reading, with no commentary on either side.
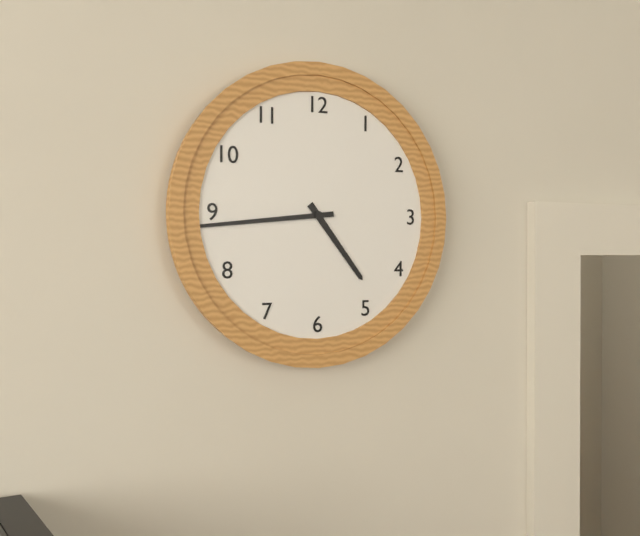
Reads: 4:44
